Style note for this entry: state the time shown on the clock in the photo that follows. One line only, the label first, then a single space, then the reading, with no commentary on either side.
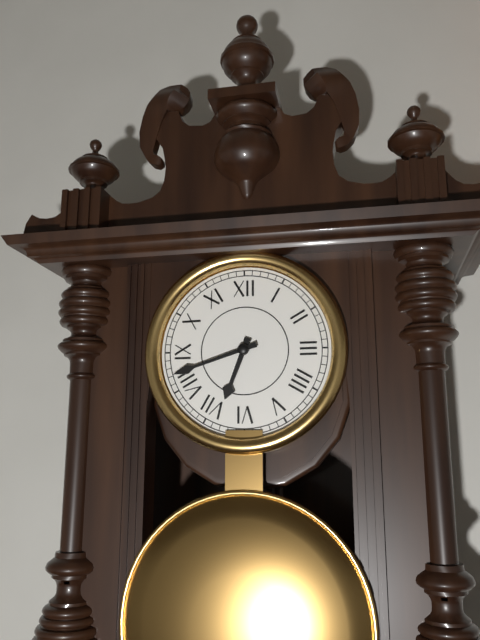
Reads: 6:42
